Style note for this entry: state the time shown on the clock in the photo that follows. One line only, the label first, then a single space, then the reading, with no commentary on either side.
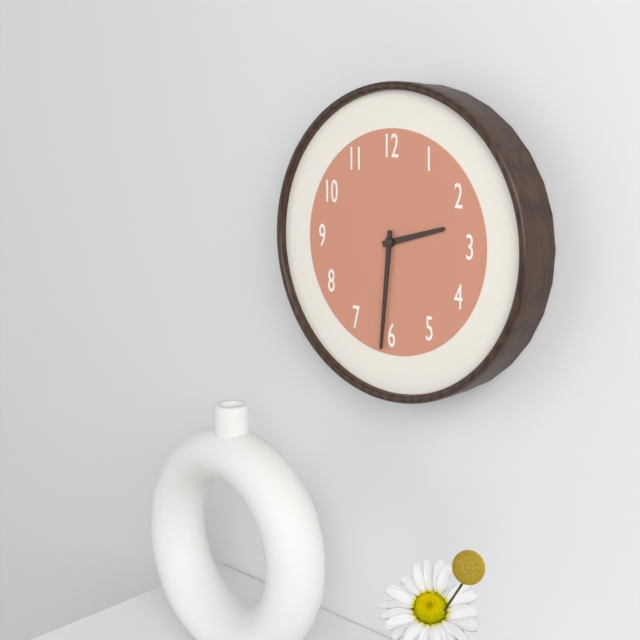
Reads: 2:31
